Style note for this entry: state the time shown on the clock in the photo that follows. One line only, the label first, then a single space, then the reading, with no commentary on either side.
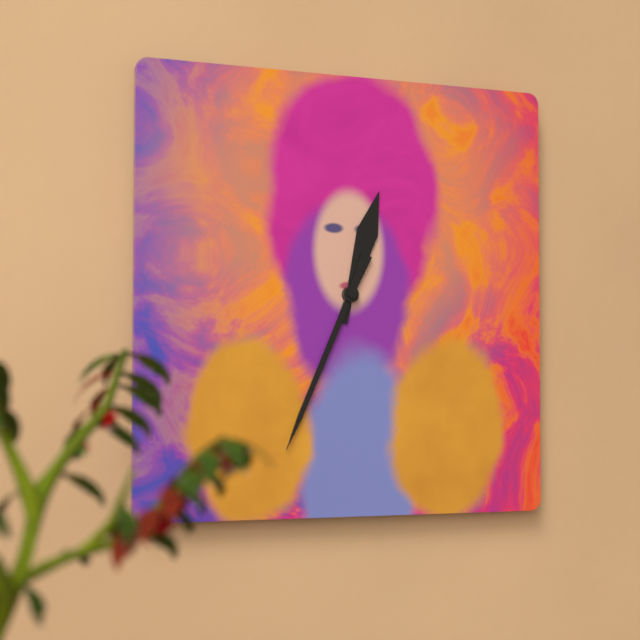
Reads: 12:34
